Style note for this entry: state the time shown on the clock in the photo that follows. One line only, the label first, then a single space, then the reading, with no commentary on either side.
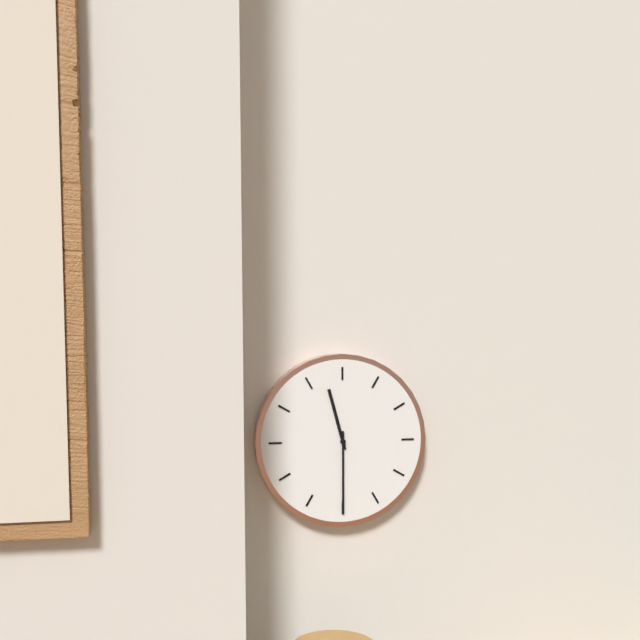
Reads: 11:30
